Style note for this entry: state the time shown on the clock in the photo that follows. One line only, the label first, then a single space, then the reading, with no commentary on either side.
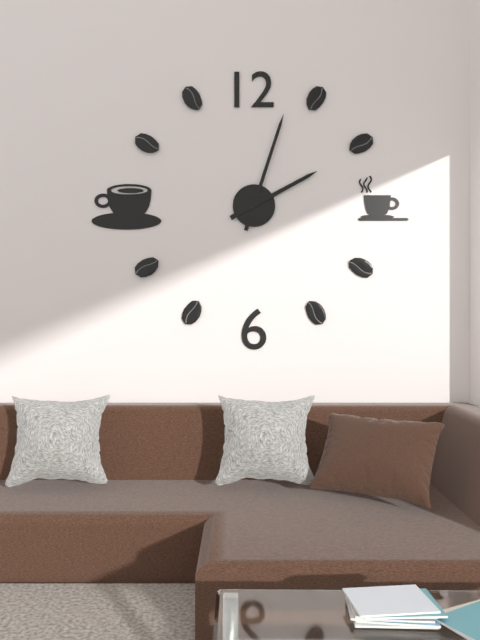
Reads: 2:03
